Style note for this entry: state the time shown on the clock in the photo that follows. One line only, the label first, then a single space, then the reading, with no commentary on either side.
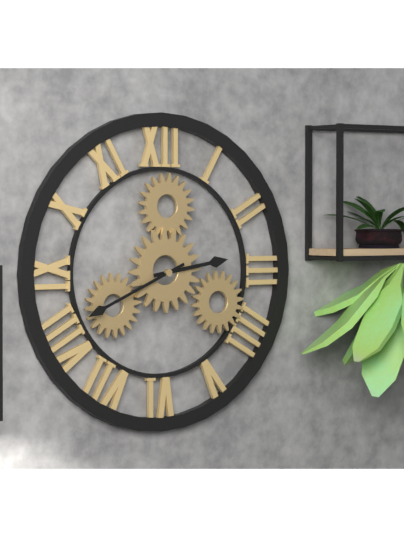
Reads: 2:41
